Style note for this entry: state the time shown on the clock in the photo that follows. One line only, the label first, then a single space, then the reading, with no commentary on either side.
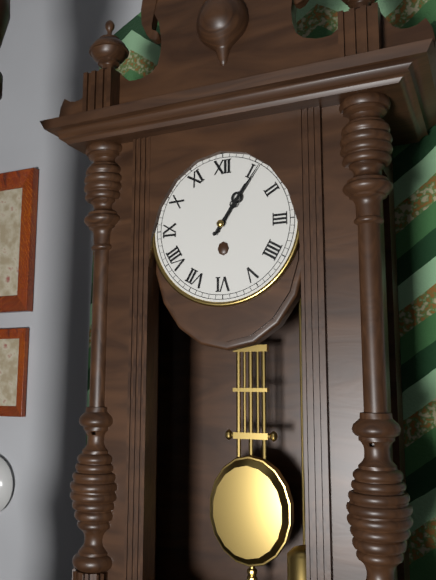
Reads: 1:06
